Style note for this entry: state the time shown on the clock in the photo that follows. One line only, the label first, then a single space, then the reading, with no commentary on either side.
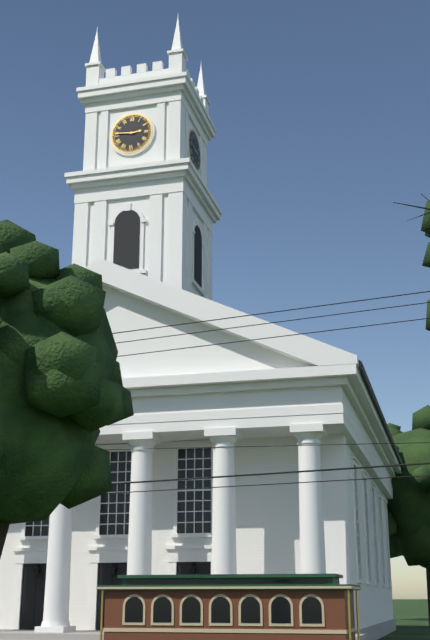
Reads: 2:46
